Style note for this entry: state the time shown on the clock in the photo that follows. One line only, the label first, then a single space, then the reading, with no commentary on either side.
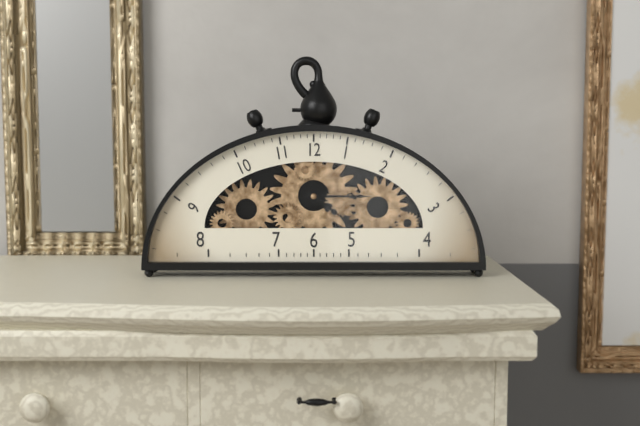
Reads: 4:15
